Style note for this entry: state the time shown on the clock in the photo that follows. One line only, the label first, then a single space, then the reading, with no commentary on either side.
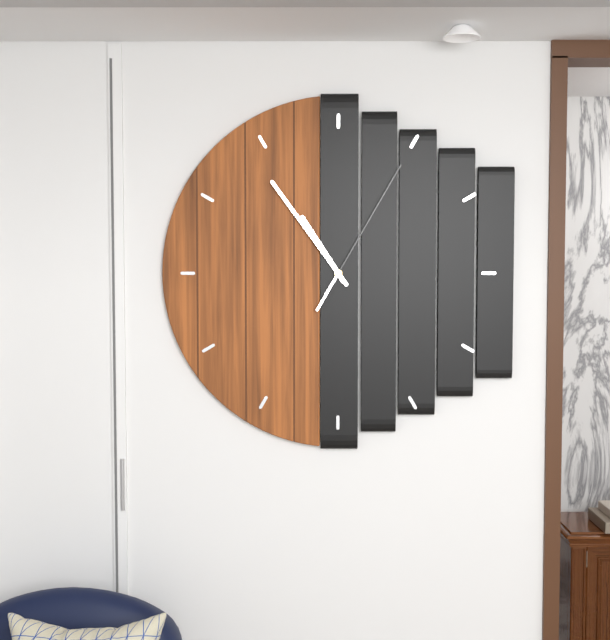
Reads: 10:54:05
